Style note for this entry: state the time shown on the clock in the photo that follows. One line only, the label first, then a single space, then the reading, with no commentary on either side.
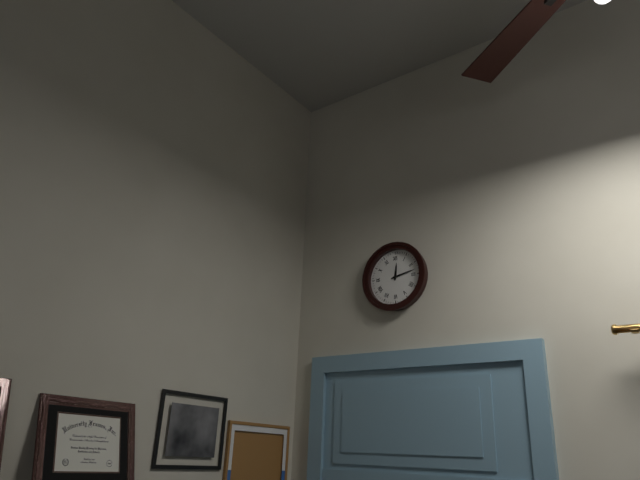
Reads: 12:13
